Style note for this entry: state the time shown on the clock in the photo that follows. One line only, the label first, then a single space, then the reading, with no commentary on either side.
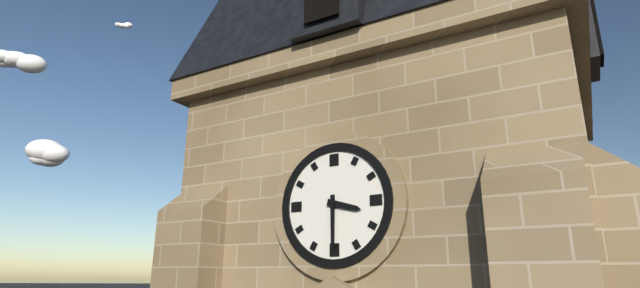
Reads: 3:30
